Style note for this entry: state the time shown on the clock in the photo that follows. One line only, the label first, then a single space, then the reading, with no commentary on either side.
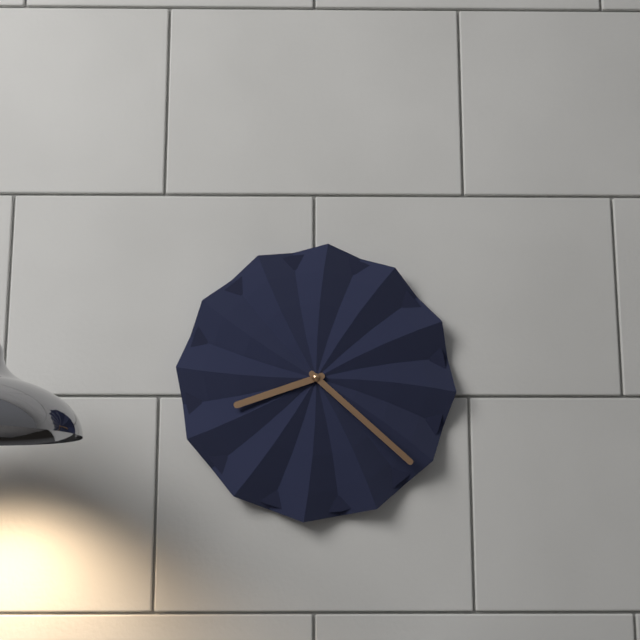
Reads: 8:22
